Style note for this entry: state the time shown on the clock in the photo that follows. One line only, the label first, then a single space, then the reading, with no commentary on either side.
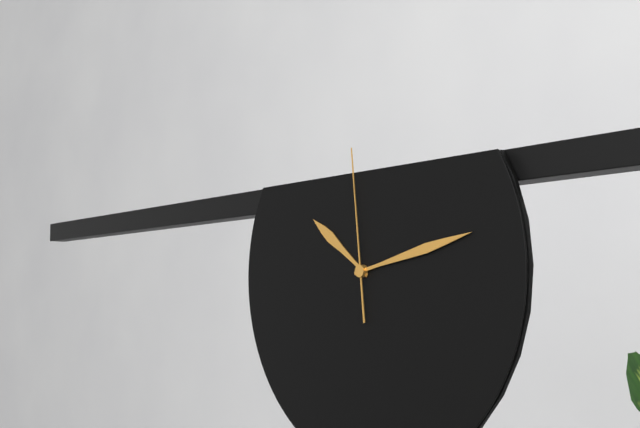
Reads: 10:13:59
